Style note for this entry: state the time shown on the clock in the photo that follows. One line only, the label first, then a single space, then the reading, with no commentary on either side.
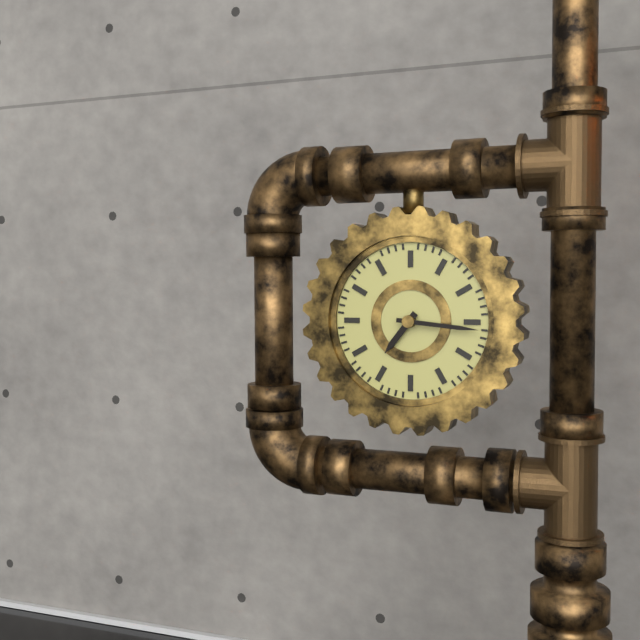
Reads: 7:16
